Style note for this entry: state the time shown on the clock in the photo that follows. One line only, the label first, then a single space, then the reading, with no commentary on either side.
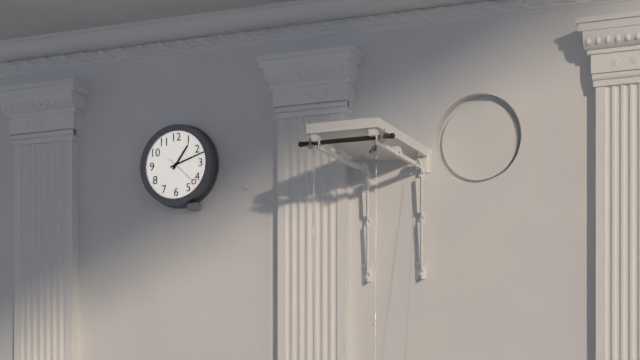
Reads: 1:12
